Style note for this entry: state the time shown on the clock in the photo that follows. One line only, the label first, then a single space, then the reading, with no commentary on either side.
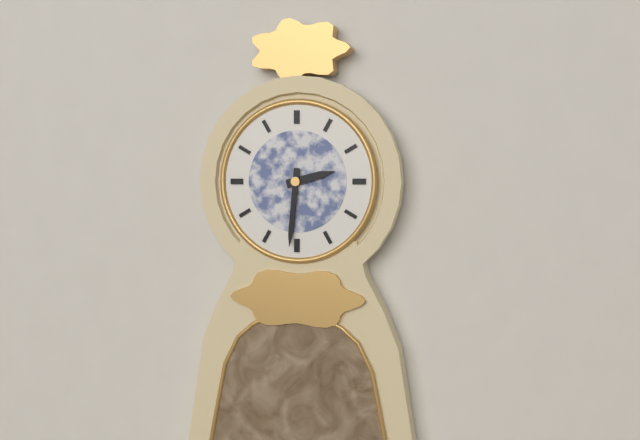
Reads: 2:31
